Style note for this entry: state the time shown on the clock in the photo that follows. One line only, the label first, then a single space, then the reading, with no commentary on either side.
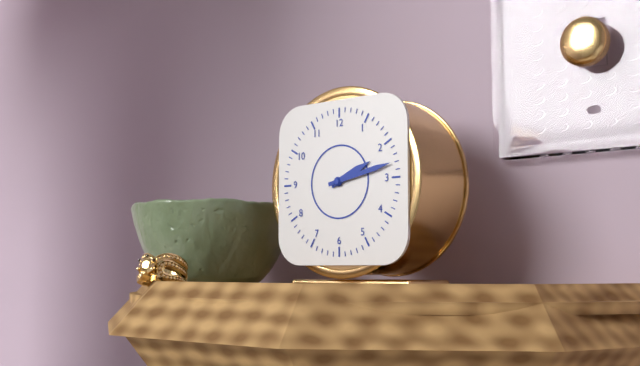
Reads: 2:13
